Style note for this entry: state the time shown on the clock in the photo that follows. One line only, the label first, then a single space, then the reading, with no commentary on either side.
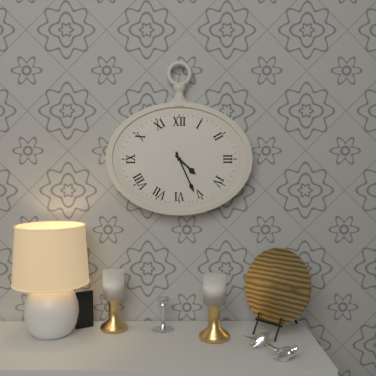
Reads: 4:26
